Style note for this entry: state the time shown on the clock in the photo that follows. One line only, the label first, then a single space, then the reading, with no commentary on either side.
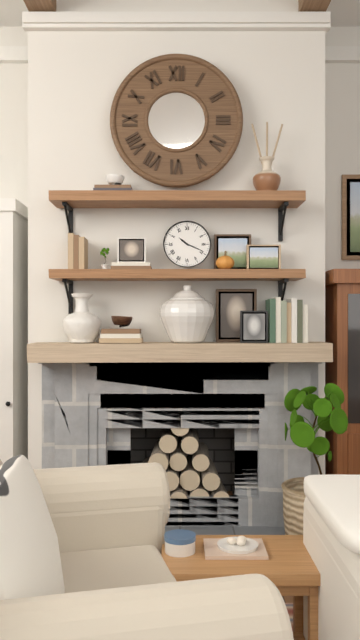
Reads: 10:19
